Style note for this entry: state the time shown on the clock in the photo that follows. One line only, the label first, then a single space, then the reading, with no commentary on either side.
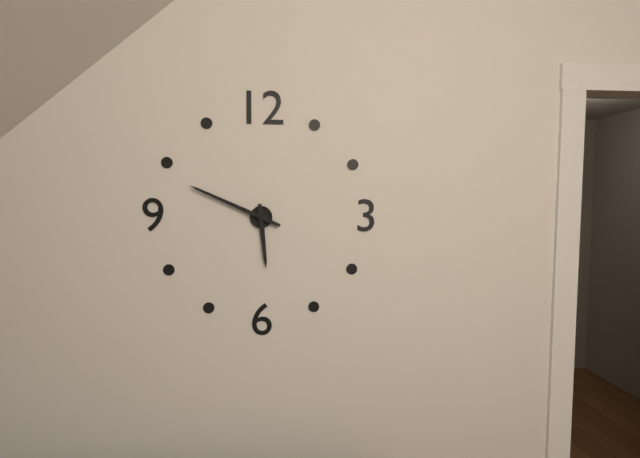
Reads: 5:49
